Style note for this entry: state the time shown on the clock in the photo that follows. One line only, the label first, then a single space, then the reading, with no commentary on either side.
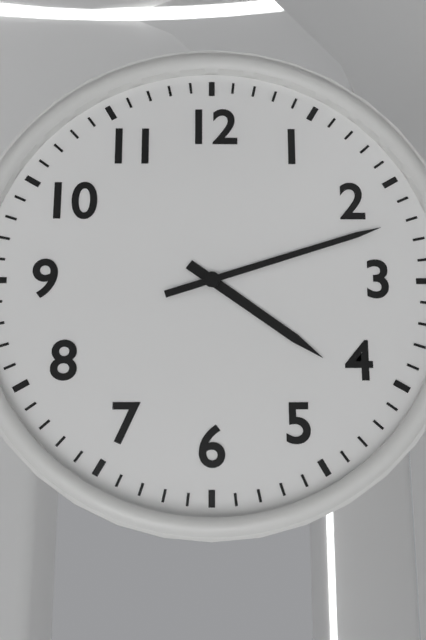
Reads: 4:12
